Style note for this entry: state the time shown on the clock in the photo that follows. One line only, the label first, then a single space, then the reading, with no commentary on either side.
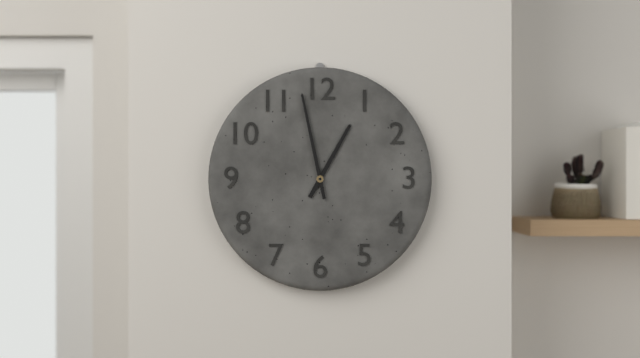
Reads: 12:58
